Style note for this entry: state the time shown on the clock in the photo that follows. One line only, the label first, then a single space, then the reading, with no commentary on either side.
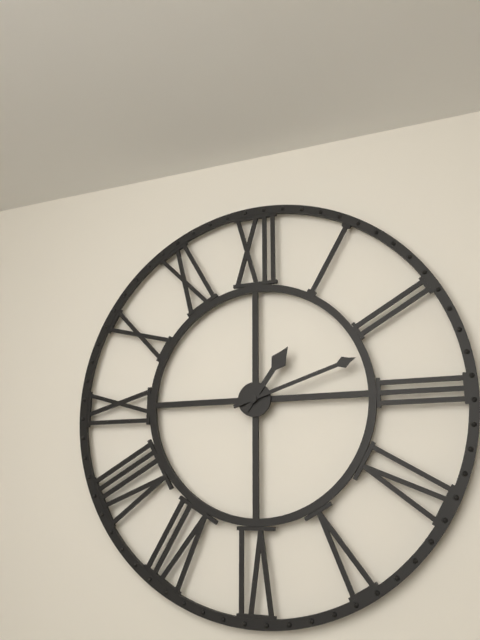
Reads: 1:12
